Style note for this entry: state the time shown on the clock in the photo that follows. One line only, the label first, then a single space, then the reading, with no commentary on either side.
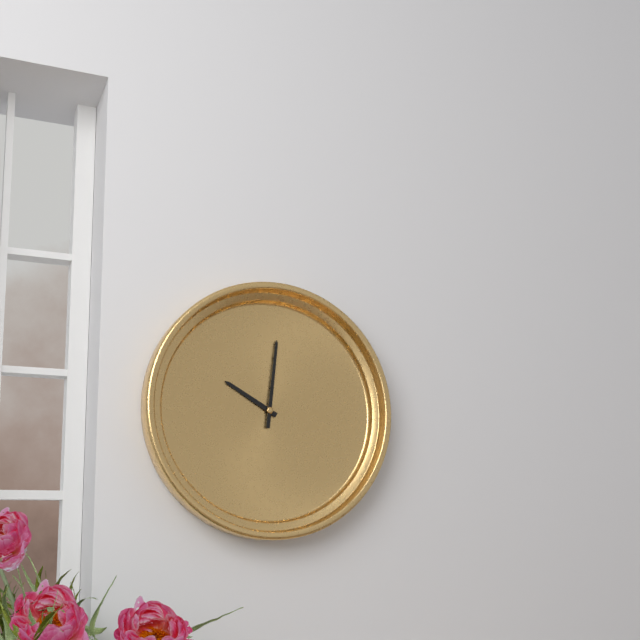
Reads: 10:01
